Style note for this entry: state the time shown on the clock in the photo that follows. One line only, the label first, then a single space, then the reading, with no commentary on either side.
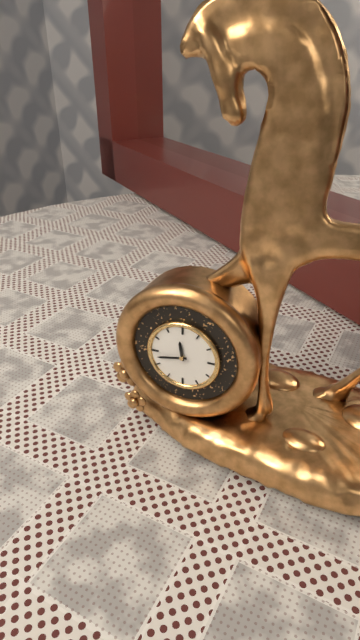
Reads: 11:43
